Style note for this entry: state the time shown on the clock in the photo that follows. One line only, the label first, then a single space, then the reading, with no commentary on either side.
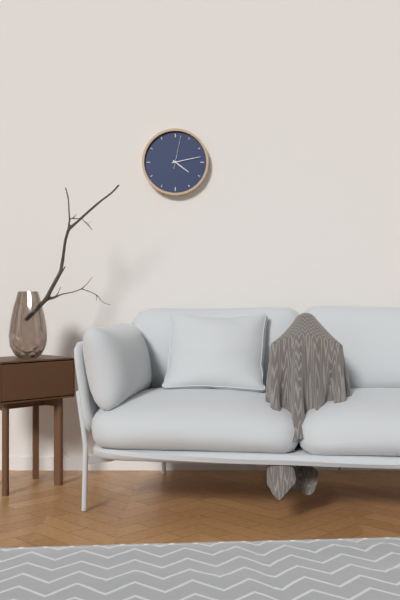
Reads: 4:13
